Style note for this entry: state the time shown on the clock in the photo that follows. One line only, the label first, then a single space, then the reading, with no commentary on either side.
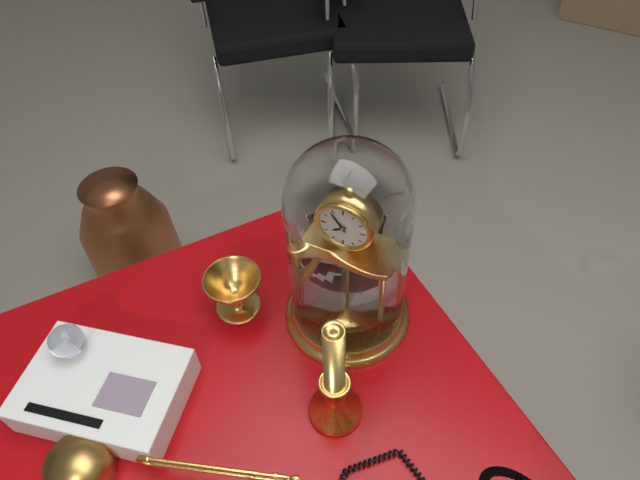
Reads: 7:54
